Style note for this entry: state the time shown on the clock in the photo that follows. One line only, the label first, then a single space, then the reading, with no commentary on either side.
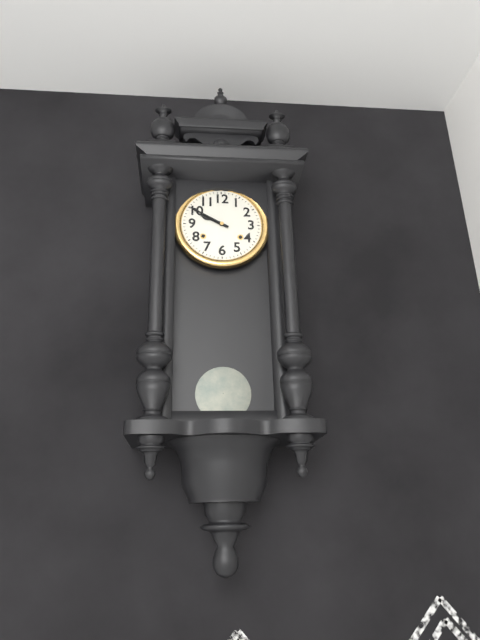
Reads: 9:50
